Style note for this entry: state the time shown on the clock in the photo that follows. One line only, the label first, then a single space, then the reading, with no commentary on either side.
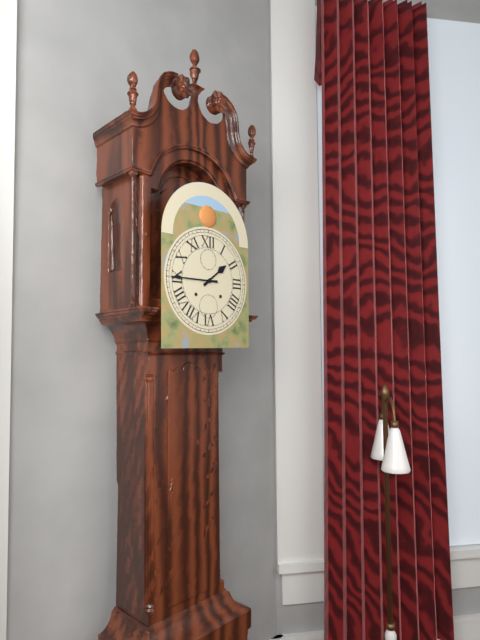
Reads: 1:45
